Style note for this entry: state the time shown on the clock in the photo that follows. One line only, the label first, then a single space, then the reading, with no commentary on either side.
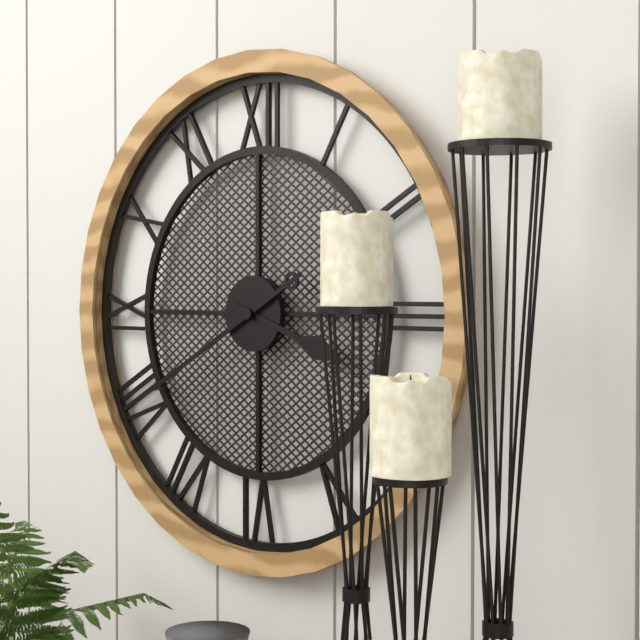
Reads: 3:40
